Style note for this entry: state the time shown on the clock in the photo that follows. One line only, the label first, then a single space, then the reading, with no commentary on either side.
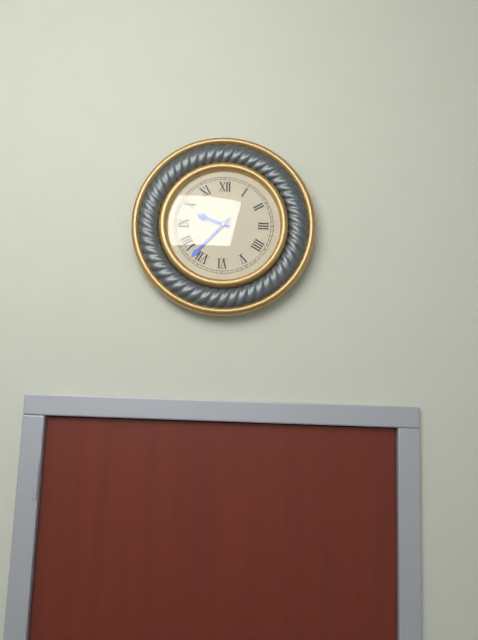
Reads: 9:37
